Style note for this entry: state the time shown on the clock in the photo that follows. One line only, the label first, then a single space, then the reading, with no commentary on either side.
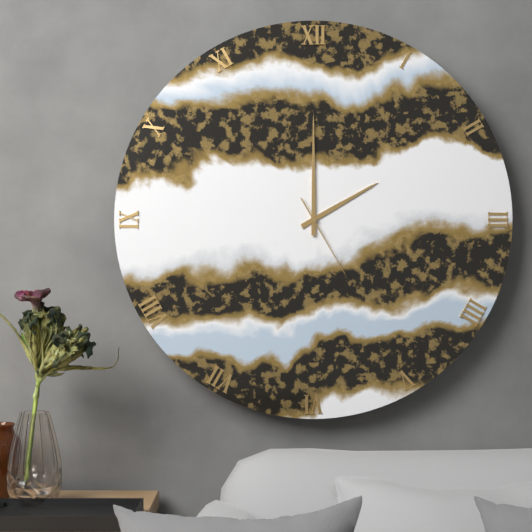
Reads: 2:00:25
